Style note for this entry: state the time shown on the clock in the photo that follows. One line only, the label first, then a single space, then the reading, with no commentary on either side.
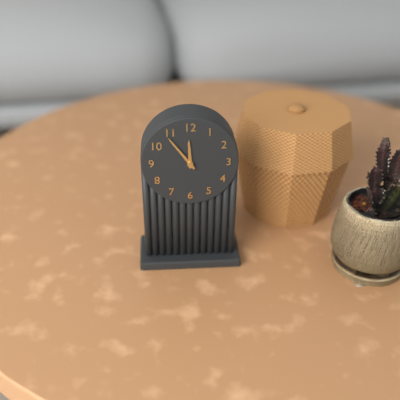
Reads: 11:54
